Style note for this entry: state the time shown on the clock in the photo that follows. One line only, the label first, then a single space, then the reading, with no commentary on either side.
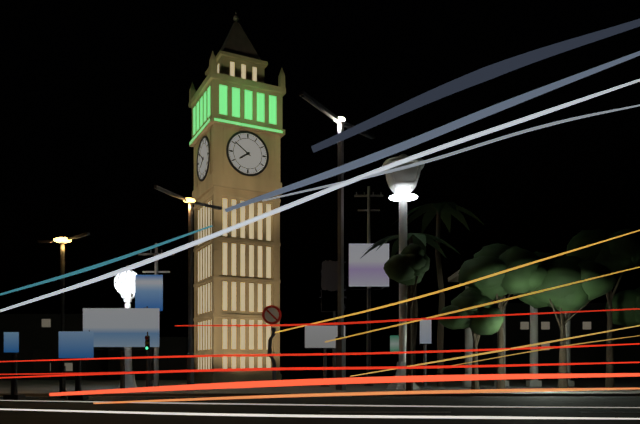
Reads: 7:51
